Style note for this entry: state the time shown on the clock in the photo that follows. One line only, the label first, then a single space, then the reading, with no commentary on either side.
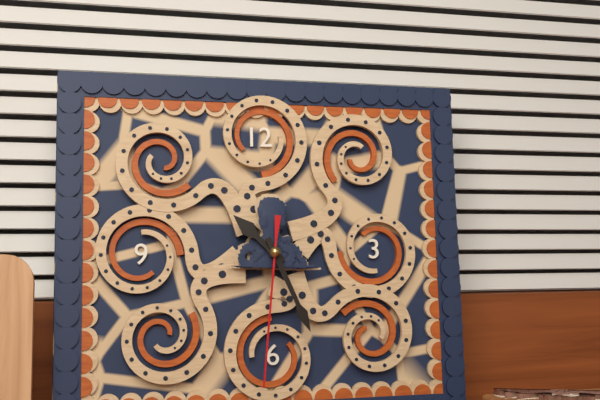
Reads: 10:26:31
